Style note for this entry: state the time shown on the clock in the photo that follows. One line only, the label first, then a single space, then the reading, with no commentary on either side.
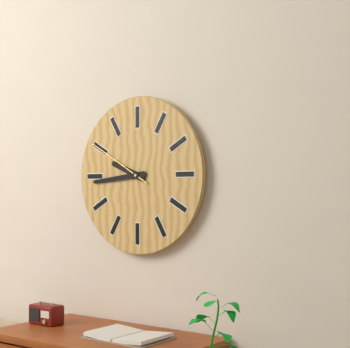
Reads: 9:44:50
